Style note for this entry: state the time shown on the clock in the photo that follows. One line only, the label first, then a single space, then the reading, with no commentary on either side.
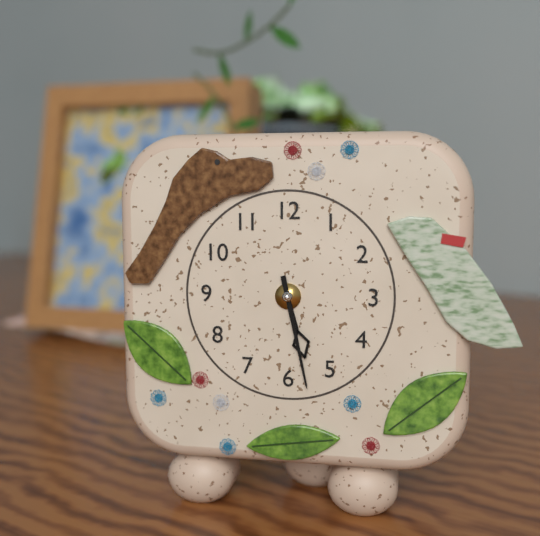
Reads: 5:28
